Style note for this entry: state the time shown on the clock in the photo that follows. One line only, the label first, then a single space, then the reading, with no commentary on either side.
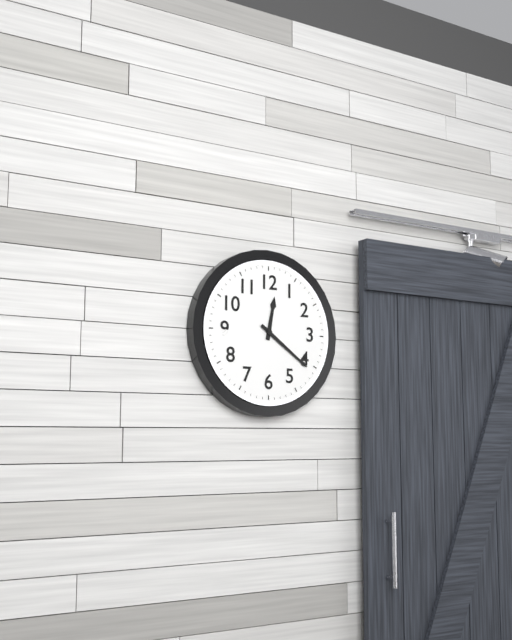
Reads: 12:21
